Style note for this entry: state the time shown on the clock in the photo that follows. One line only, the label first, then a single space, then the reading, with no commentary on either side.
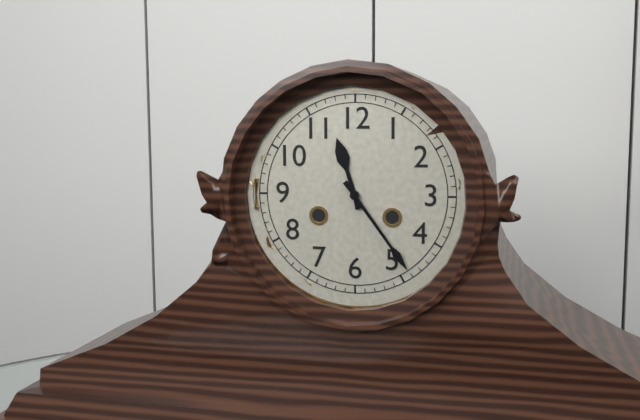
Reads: 11:24
